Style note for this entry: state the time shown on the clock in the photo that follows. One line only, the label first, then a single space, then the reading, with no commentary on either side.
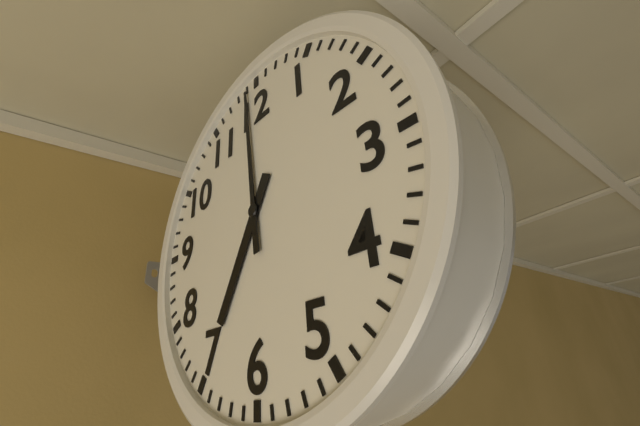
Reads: 6:59
